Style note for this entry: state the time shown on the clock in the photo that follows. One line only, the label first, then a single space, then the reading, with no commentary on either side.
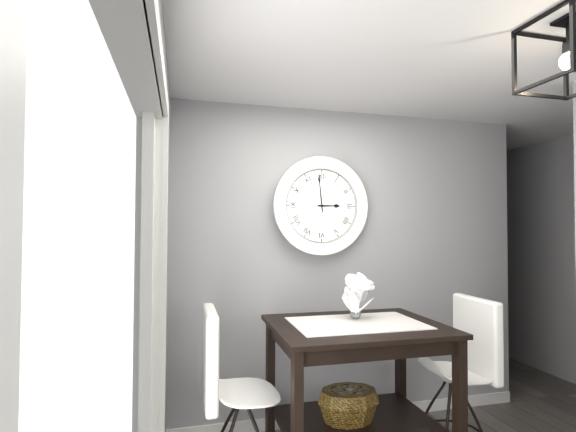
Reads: 2:59
